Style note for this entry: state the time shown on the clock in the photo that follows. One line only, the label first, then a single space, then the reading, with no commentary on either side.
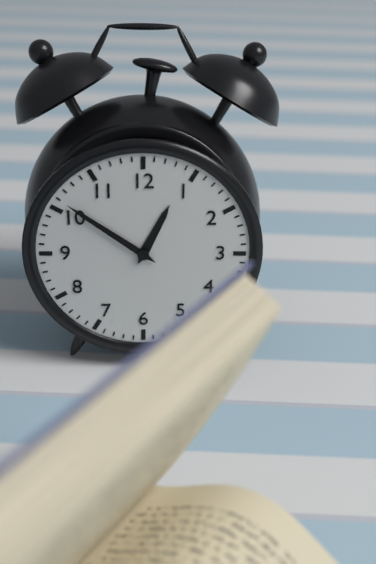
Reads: 12:51
